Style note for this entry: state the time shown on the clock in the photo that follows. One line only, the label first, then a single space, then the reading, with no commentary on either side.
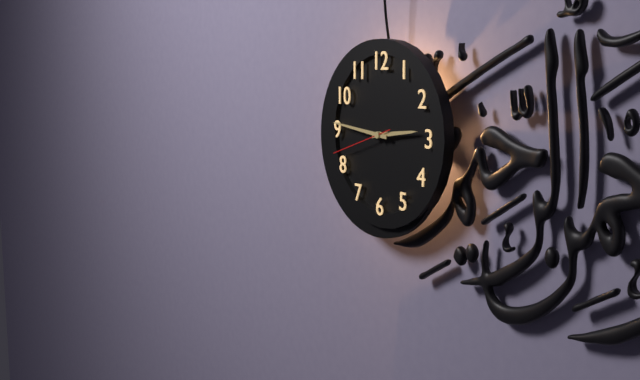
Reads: 2:46:42
